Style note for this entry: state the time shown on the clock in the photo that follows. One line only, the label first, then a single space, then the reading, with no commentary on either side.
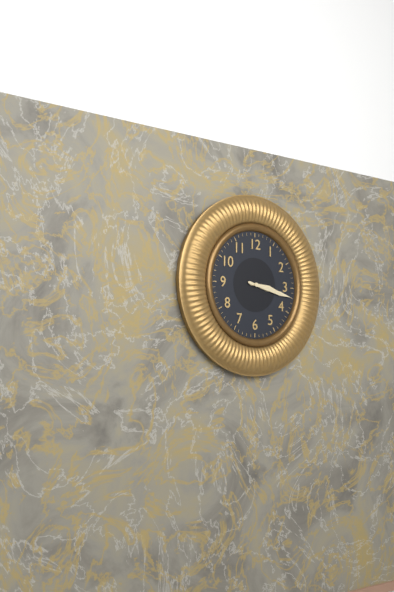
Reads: 3:17
